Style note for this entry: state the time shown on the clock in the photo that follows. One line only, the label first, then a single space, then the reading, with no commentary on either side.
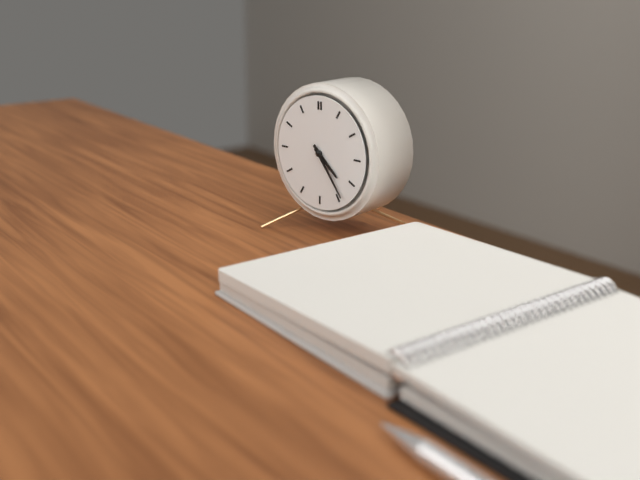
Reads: 4:24
